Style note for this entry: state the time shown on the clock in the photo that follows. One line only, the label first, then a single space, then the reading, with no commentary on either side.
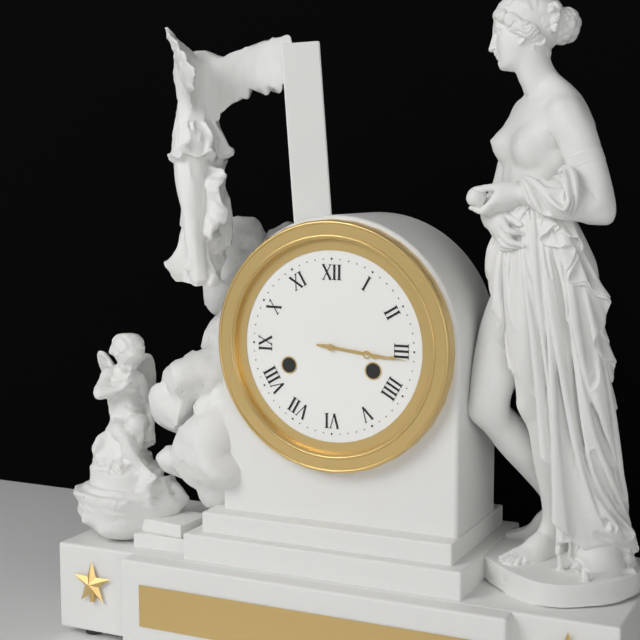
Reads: 3:16
